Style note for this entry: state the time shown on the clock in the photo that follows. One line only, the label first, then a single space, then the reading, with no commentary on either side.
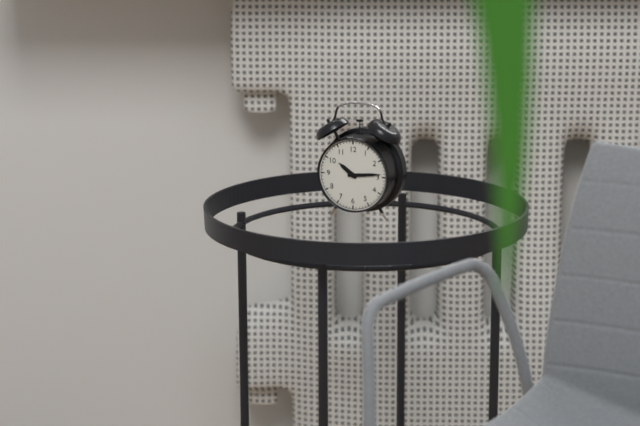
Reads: 10:14
